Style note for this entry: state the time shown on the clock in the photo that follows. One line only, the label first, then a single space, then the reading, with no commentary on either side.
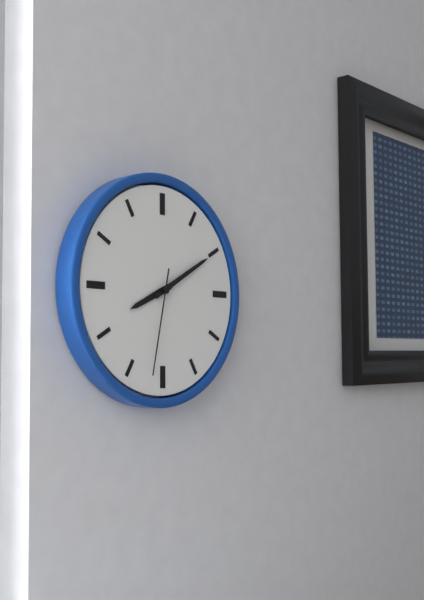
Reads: 8:10:32
